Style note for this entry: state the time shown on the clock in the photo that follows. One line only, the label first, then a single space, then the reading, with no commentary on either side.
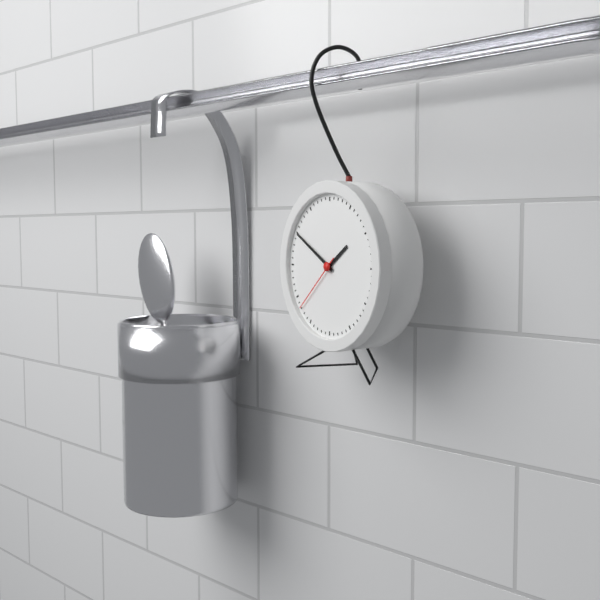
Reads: 1:50:38
